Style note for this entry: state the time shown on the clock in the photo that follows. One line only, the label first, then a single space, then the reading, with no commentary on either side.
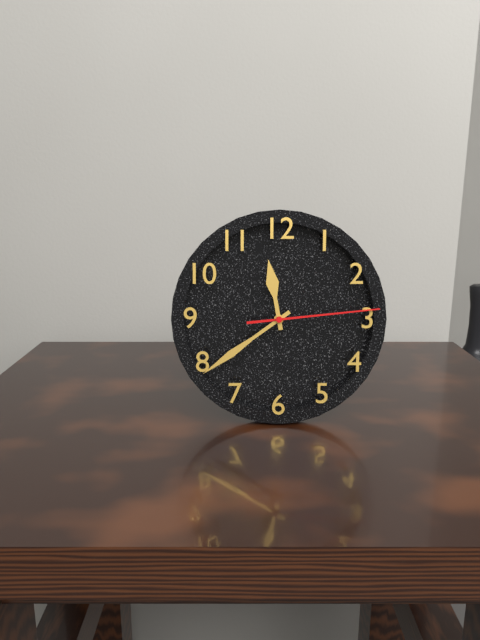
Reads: 11:39:14
